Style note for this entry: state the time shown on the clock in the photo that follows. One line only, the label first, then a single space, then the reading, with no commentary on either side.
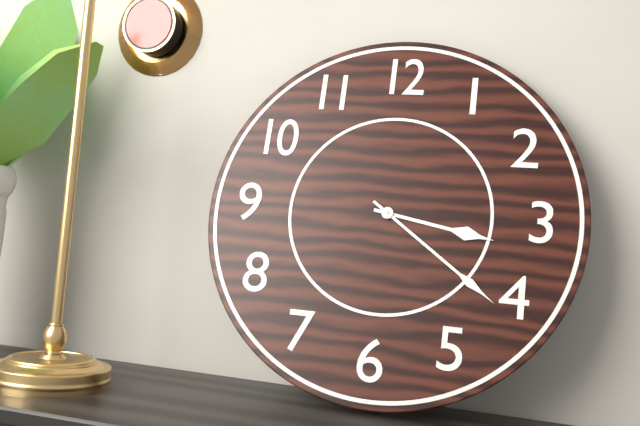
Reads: 3:21
